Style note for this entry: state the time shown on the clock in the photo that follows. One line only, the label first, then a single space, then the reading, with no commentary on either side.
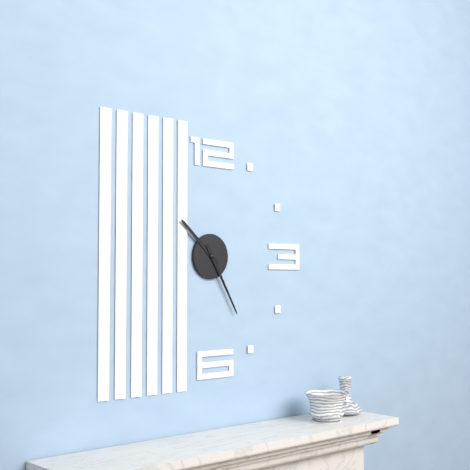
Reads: 10:25
